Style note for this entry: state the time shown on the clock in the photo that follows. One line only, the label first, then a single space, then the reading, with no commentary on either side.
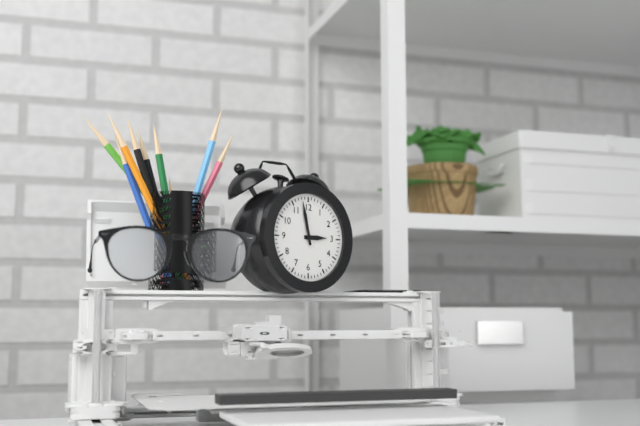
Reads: 2:58
